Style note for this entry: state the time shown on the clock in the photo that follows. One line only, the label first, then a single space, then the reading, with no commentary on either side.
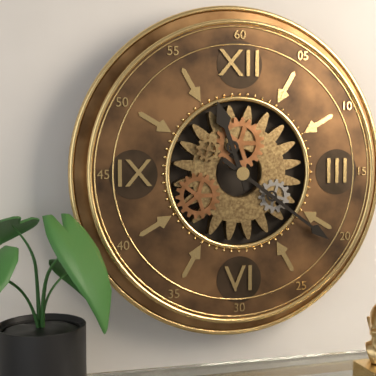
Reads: 11:21
